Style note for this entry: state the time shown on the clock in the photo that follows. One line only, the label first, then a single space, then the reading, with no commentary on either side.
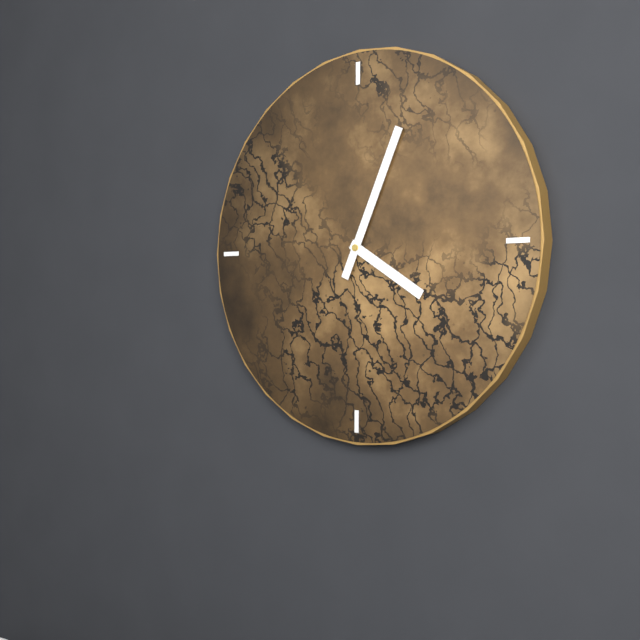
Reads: 4:04
